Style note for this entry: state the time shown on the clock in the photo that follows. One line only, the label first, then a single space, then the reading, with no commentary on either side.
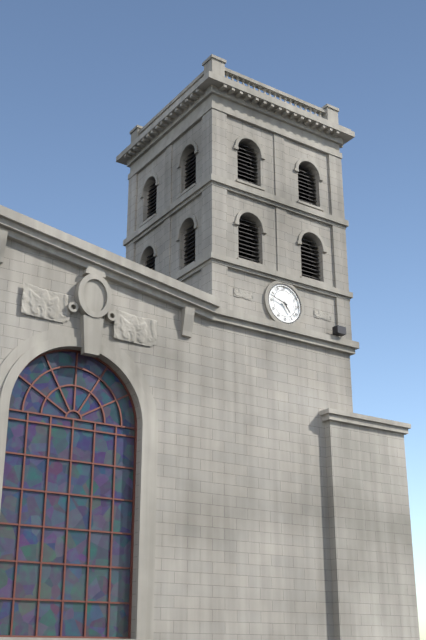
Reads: 4:48
